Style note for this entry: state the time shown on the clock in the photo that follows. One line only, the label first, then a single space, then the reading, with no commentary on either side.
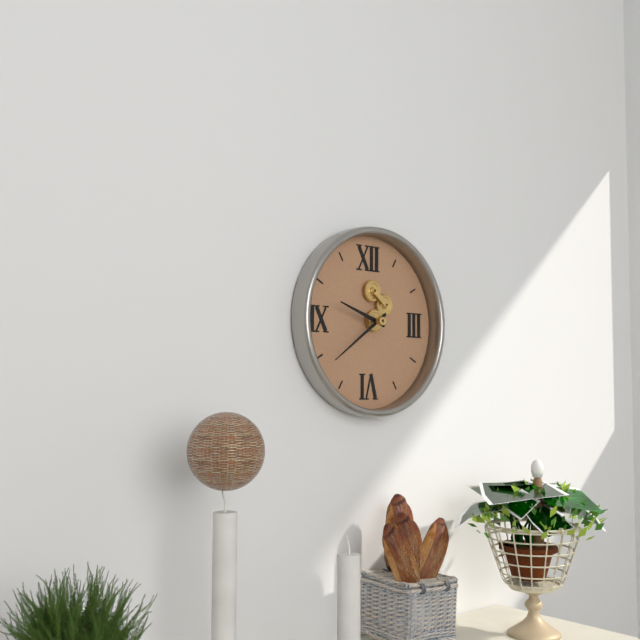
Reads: 9:39
